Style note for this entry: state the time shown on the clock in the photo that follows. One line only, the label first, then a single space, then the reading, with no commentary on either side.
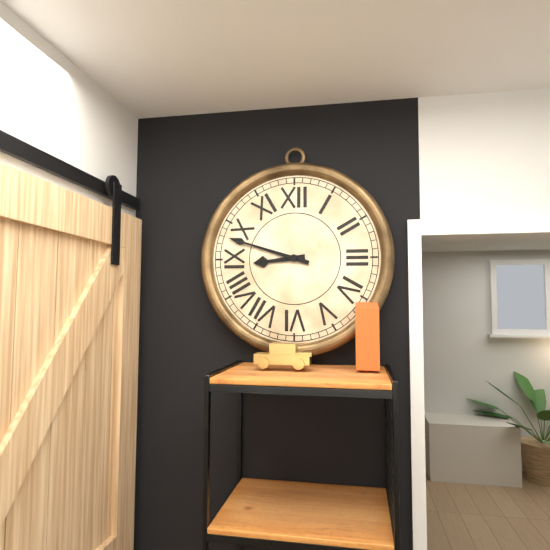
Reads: 8:48
